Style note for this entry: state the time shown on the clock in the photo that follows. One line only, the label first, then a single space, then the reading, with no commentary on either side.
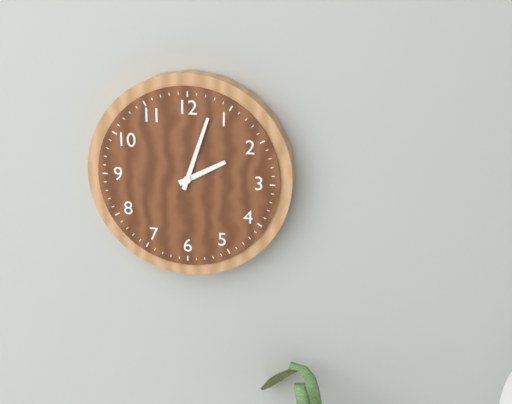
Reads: 2:03
